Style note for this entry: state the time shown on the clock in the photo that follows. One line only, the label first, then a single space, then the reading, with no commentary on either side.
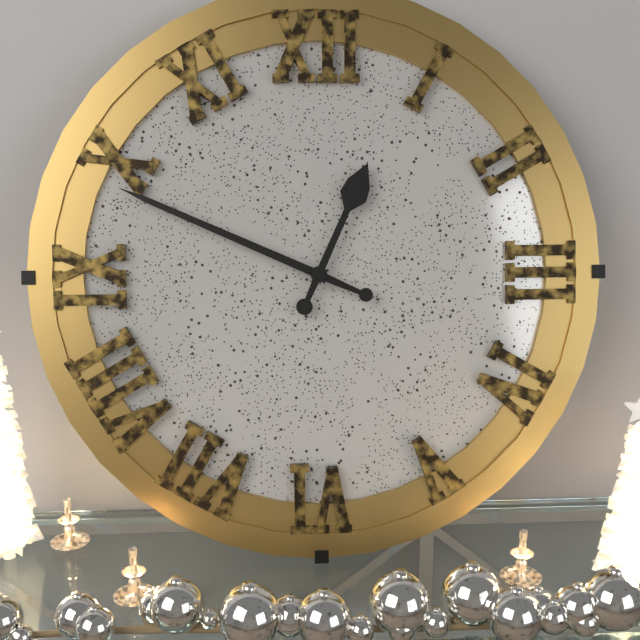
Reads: 12:49
